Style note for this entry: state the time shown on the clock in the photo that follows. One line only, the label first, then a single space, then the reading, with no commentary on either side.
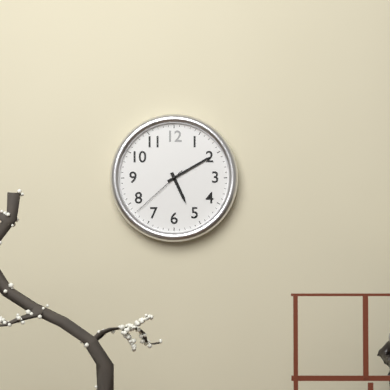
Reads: 5:10:38
